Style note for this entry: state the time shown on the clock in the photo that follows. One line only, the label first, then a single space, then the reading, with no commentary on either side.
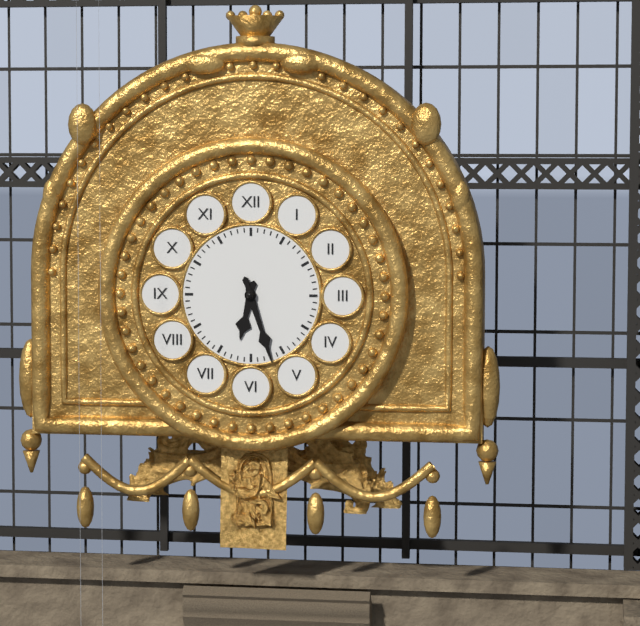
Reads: 6:27
